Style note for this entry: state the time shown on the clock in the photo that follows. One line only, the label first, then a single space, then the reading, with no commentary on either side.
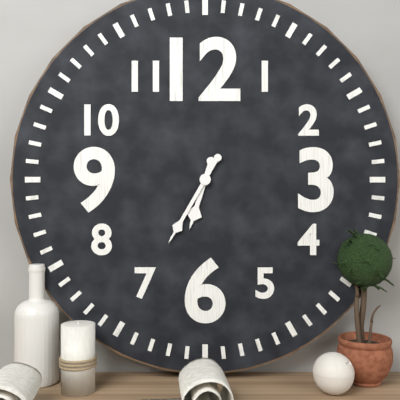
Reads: 6:35
